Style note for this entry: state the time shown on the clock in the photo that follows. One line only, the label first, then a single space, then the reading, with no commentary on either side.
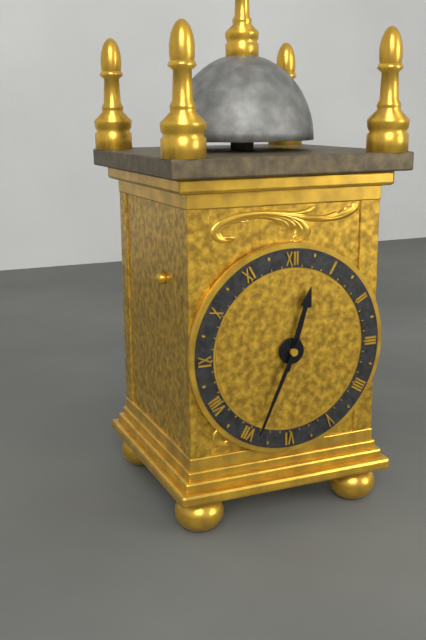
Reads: 12:34
